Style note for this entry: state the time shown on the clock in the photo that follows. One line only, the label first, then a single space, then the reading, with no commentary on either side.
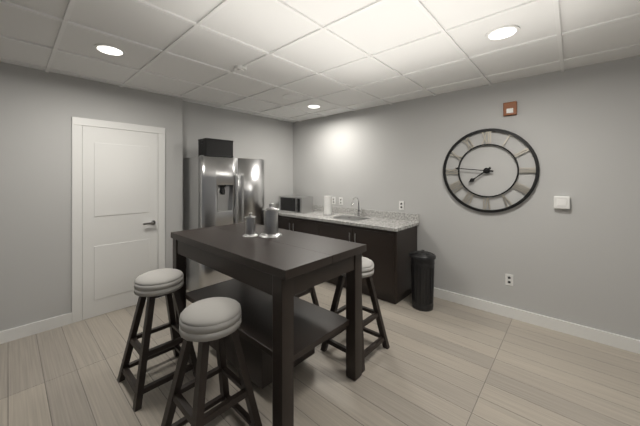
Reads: 7:46
